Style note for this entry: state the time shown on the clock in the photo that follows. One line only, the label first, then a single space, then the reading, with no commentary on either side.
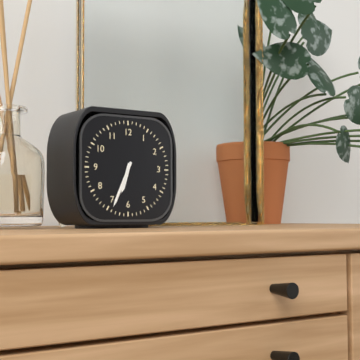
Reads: 6:34
